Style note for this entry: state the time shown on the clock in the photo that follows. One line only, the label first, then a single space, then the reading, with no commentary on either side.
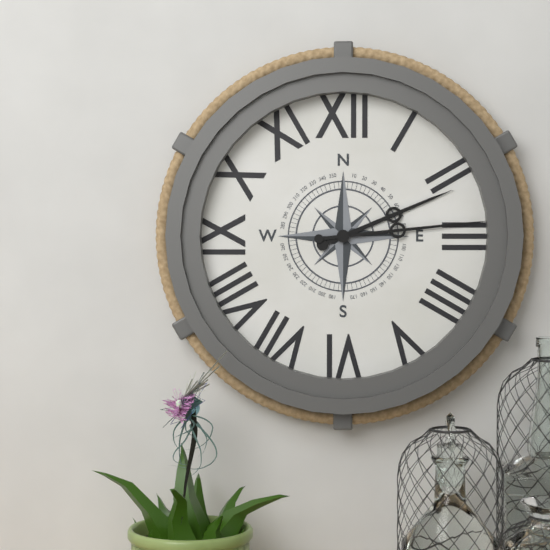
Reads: 2:14
